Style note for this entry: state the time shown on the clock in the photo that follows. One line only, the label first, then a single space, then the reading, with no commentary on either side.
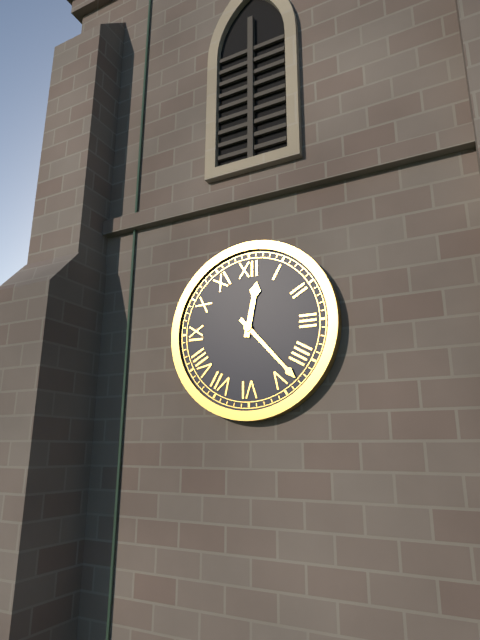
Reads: 12:23
